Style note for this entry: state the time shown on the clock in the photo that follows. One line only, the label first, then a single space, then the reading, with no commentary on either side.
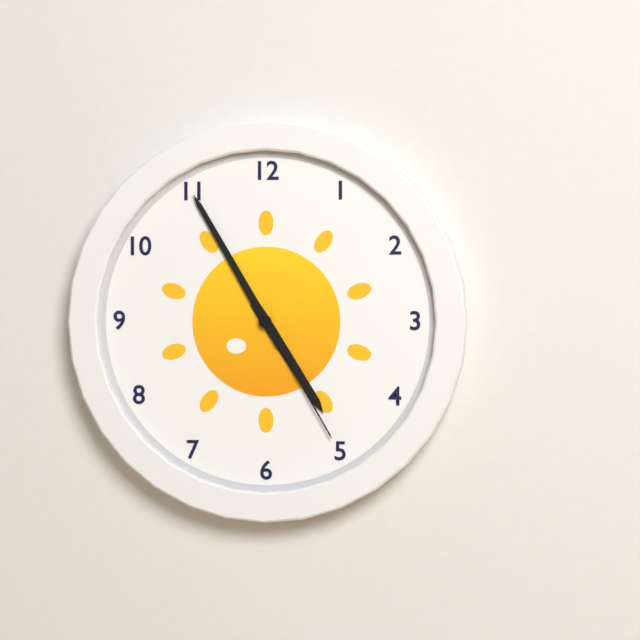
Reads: 4:55:25
